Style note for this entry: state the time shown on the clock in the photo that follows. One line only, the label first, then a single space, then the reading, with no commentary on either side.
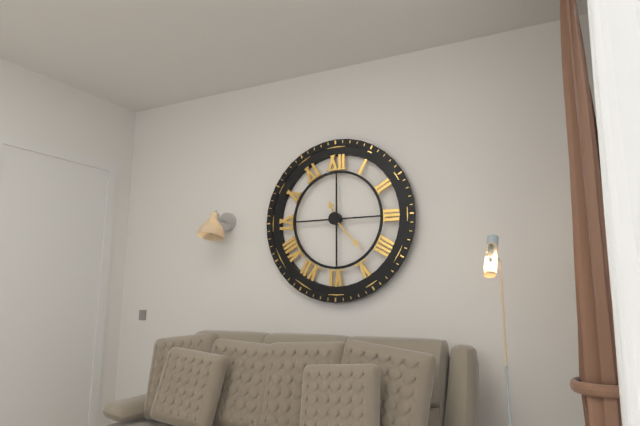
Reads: 11:23
